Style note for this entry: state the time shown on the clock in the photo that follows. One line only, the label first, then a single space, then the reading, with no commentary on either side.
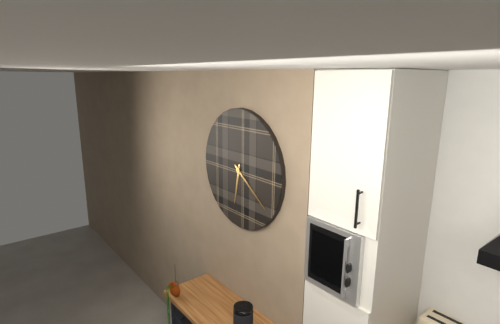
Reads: 6:21
